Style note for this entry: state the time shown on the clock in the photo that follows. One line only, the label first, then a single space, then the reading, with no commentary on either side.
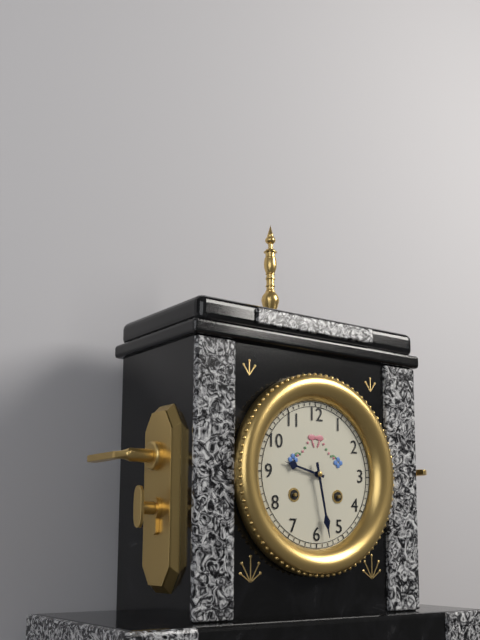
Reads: 9:28
